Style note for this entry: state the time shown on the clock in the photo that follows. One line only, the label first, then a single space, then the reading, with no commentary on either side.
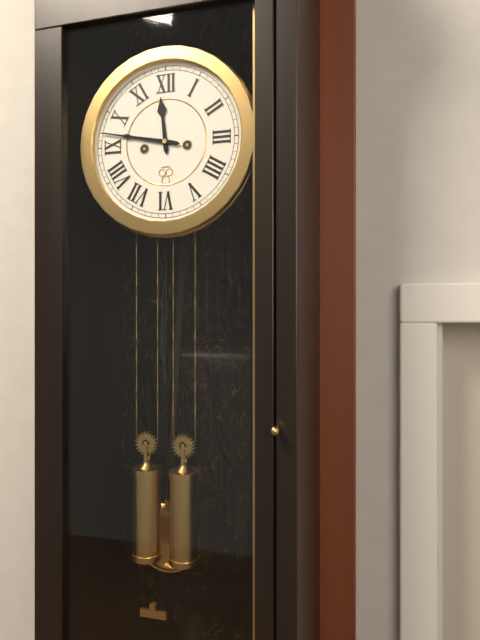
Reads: 11:47
